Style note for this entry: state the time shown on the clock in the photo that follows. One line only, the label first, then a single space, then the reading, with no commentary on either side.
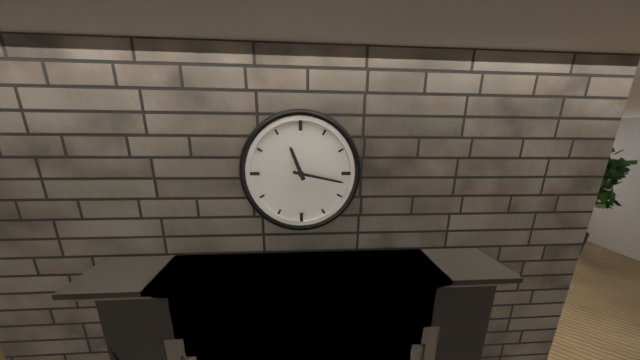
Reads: 11:17
